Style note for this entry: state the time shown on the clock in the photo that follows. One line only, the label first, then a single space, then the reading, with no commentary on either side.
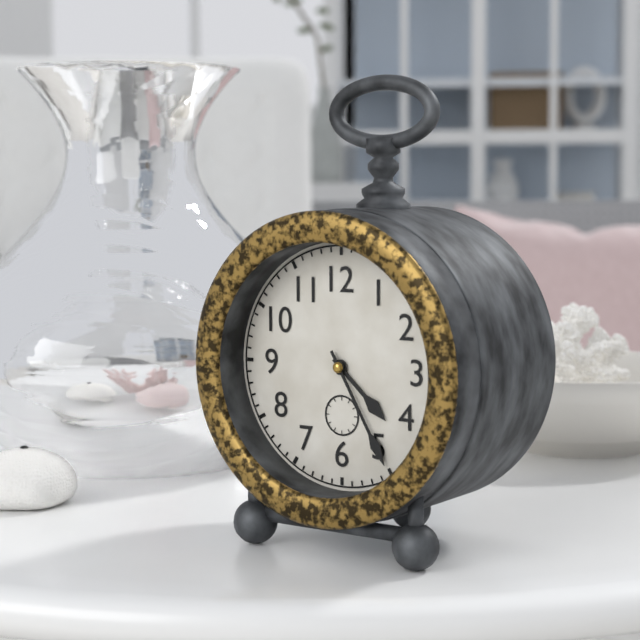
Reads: 4:25
